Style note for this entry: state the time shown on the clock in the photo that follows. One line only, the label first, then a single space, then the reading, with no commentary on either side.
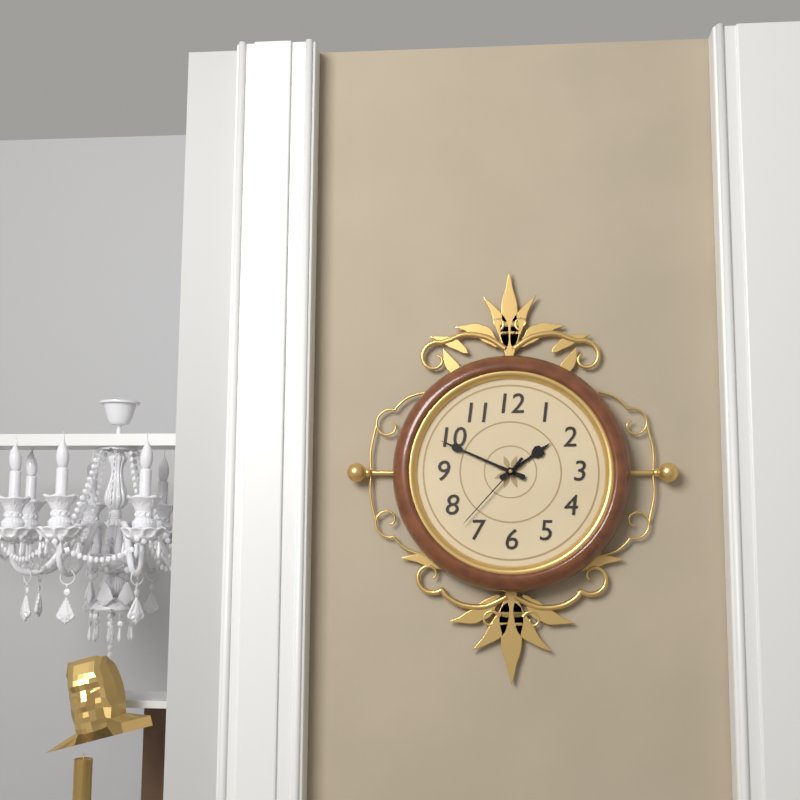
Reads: 1:49:37
